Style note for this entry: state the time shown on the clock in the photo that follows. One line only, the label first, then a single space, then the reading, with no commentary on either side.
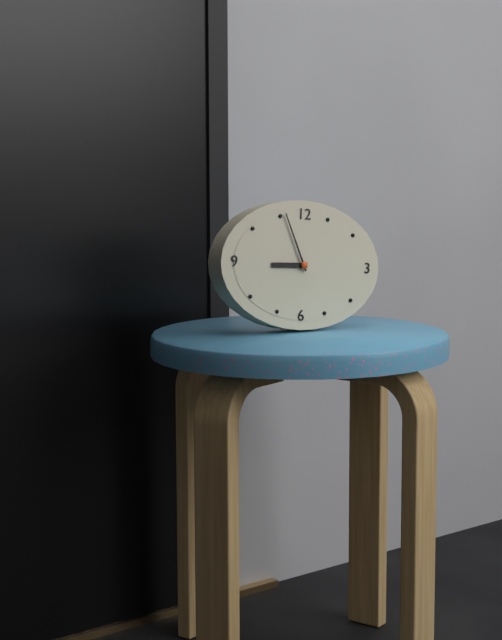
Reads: 8:56
